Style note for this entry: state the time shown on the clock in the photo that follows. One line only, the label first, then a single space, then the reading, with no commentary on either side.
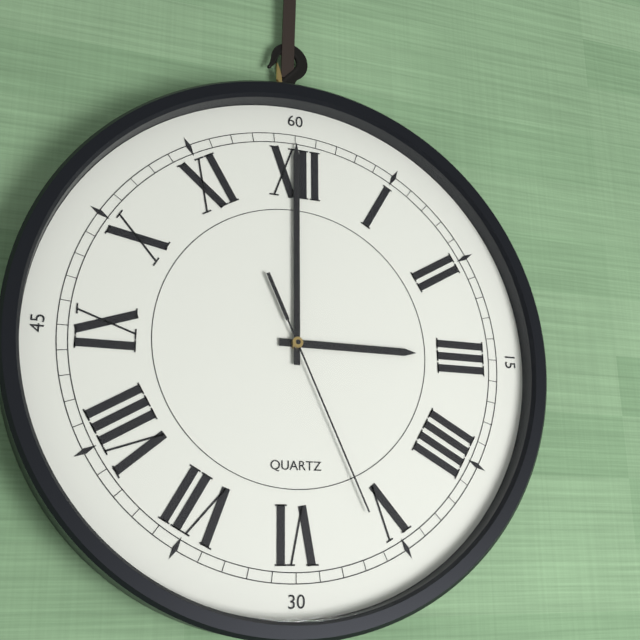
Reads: 3:00:26
